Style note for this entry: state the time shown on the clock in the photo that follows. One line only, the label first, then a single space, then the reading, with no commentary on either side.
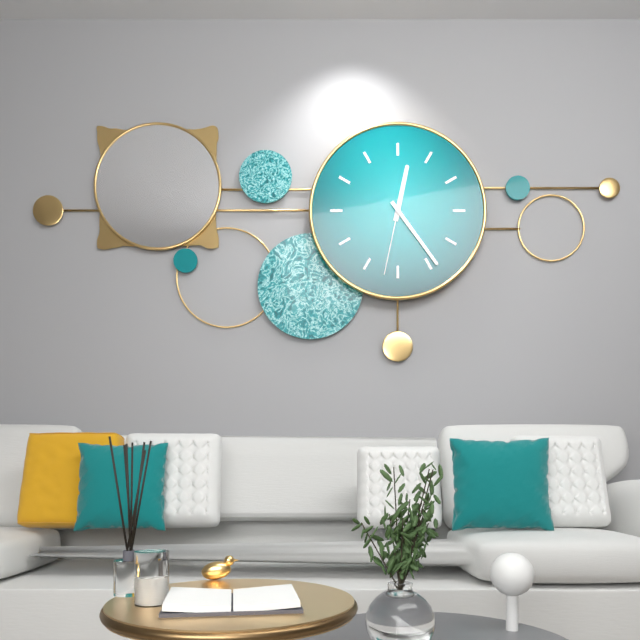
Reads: 12:24:32
